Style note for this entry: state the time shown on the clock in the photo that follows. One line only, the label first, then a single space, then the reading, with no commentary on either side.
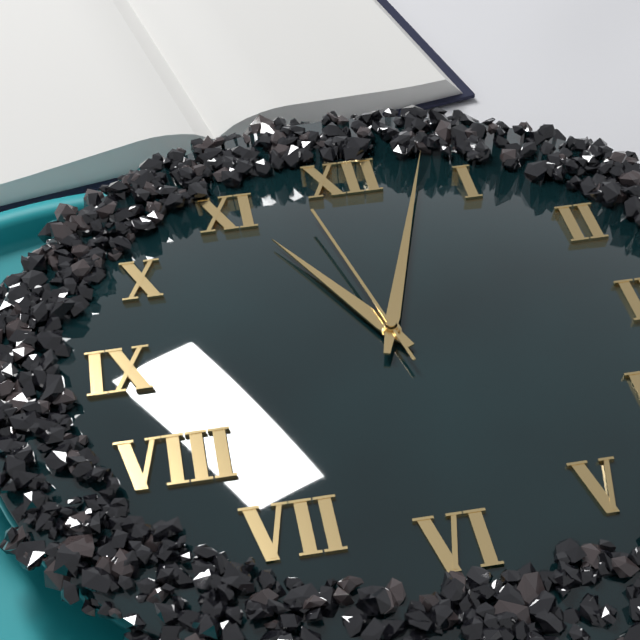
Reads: 11:03:58
